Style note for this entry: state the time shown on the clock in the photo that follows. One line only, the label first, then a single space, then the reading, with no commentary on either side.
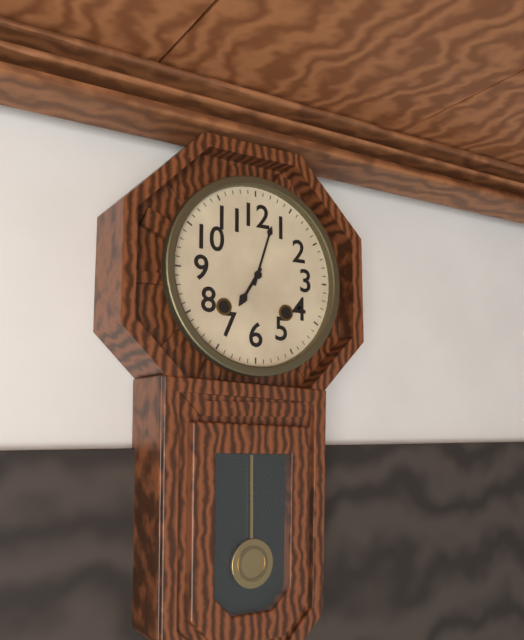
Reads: 7:03
